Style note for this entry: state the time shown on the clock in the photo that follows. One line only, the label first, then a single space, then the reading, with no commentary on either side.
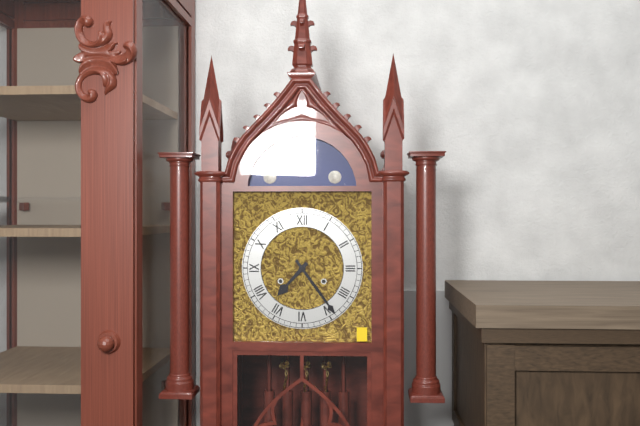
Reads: 7:24
